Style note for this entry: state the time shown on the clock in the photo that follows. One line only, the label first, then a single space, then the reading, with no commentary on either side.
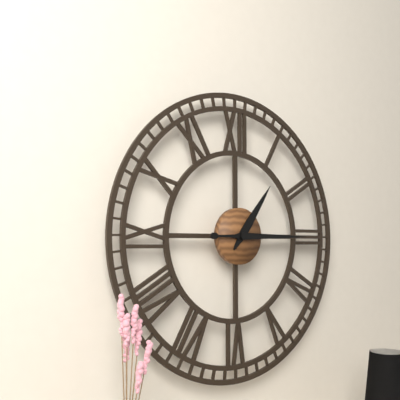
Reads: 1:15
